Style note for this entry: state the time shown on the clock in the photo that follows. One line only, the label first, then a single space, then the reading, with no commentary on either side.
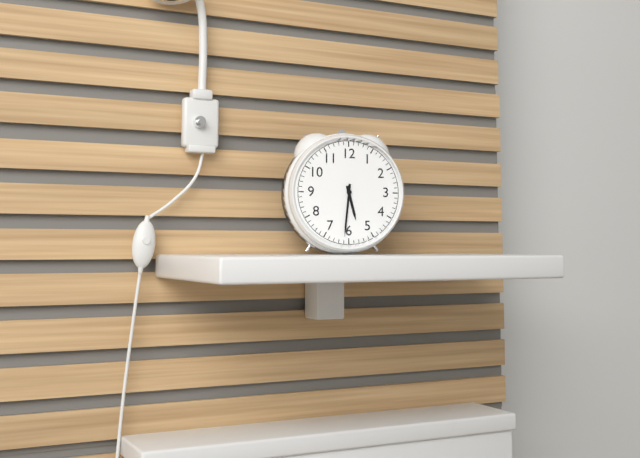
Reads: 5:31
